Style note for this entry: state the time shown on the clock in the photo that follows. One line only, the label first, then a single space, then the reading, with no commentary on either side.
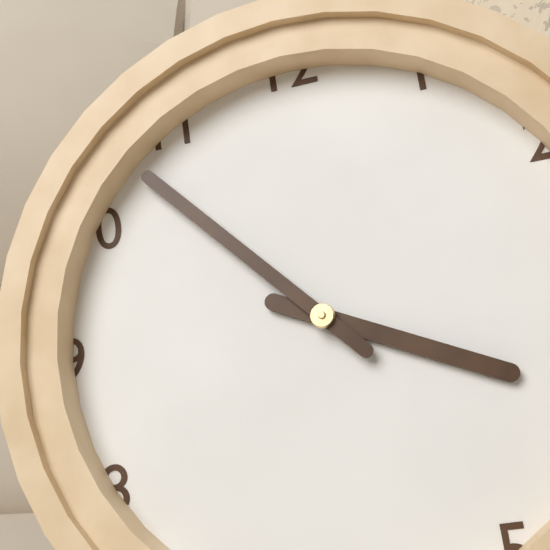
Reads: 3:53
